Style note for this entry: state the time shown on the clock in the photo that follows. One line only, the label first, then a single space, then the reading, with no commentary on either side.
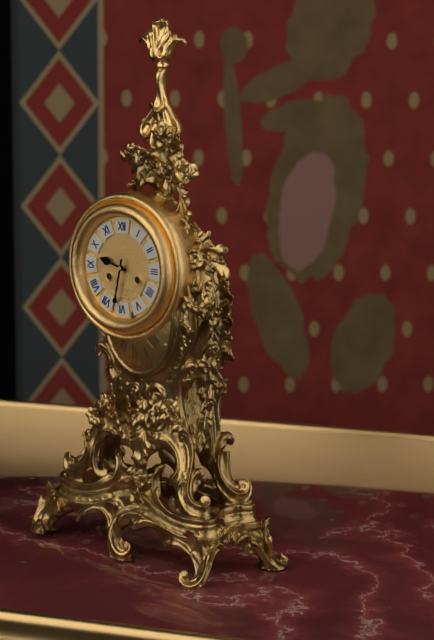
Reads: 9:32
